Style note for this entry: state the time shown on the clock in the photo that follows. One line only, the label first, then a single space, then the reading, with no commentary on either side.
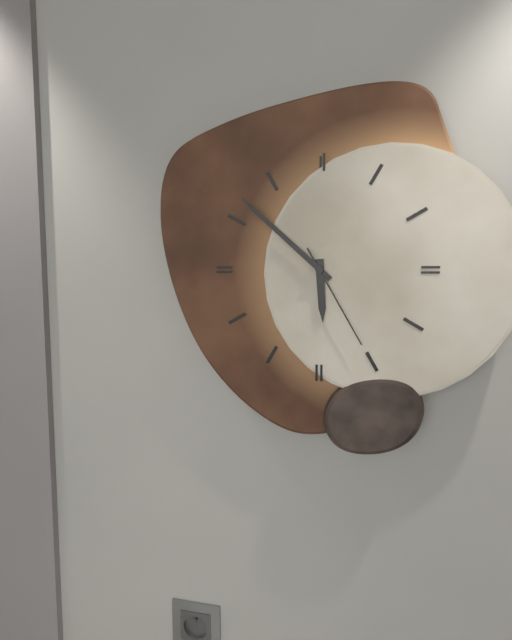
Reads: 5:52:25
